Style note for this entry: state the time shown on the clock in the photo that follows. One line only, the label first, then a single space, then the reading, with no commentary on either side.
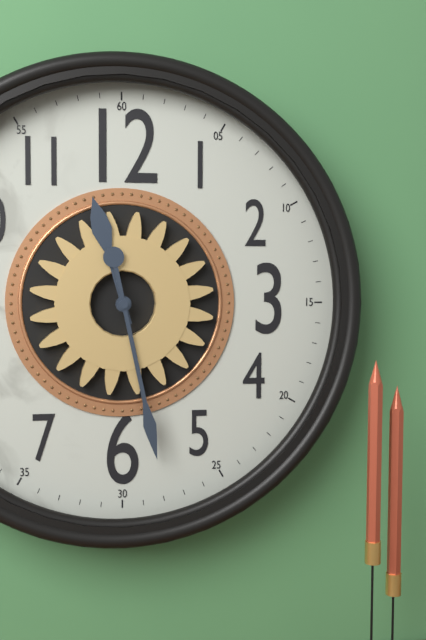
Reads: 11:28
